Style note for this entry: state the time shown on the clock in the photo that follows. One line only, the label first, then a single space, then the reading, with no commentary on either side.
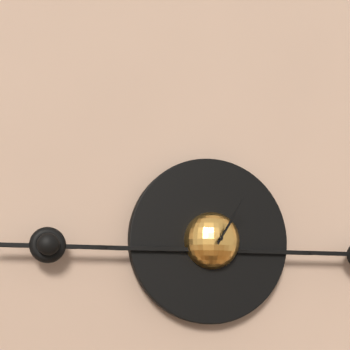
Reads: 1:05
